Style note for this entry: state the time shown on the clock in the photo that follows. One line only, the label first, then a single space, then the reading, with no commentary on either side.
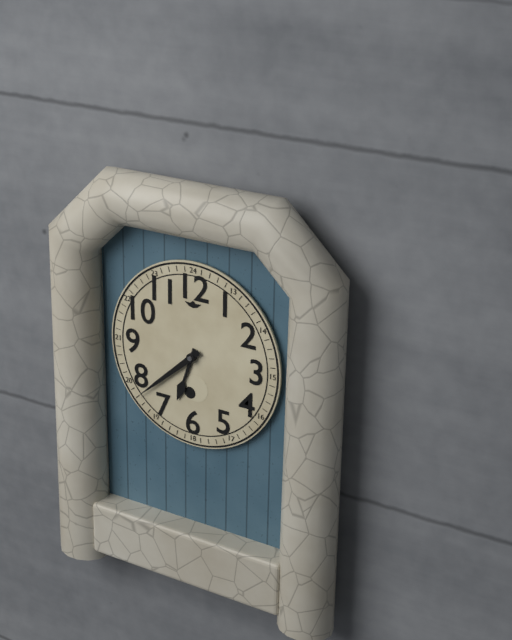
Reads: 6:38
